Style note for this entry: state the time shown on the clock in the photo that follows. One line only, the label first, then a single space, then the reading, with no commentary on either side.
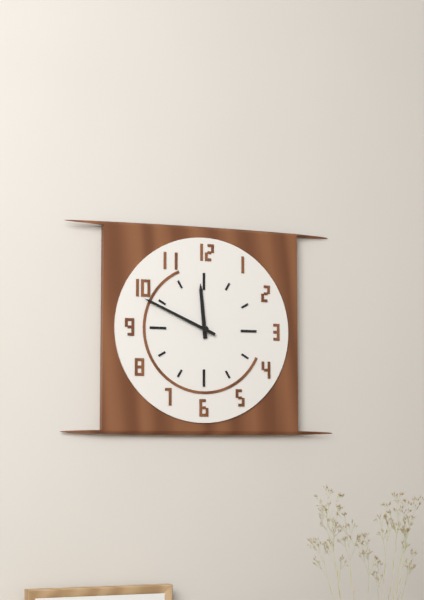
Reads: 11:49
